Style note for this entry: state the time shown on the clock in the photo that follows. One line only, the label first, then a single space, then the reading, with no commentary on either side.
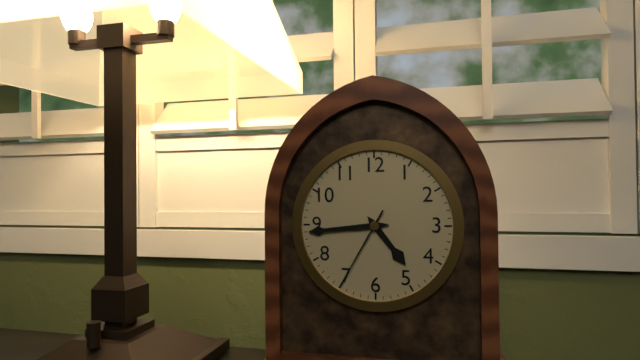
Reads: 4:44:35
